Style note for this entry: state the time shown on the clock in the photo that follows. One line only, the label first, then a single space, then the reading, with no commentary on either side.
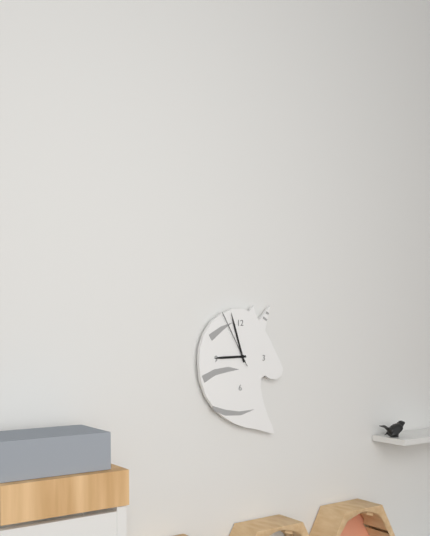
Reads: 8:57:55
